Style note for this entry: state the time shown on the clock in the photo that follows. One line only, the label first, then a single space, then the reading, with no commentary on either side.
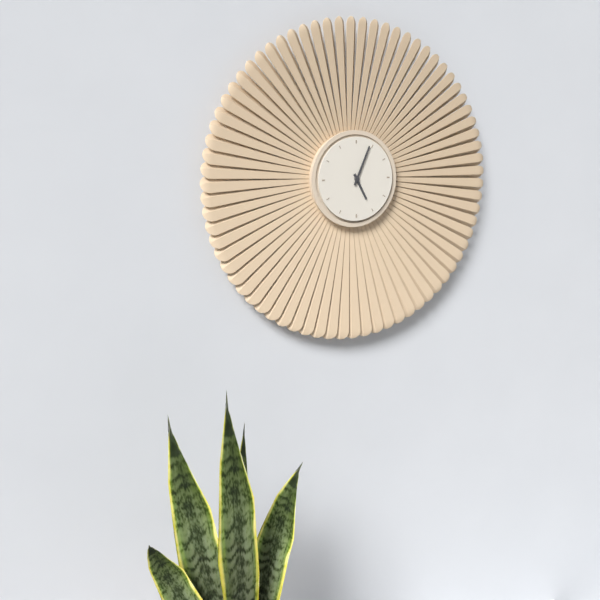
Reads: 5:04
